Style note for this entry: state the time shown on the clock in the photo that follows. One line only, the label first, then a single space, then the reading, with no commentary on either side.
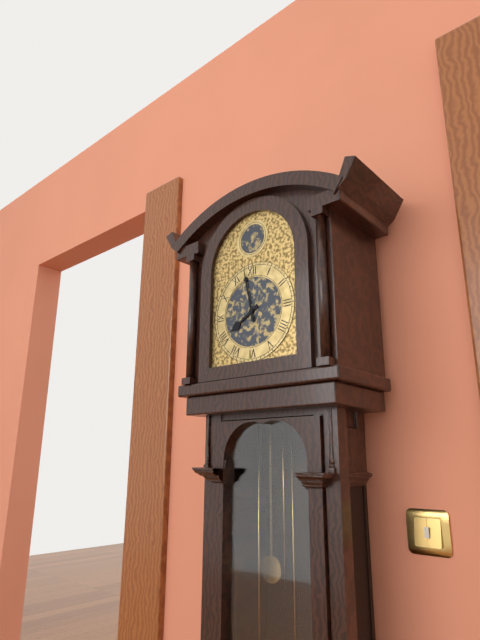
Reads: 7:58
